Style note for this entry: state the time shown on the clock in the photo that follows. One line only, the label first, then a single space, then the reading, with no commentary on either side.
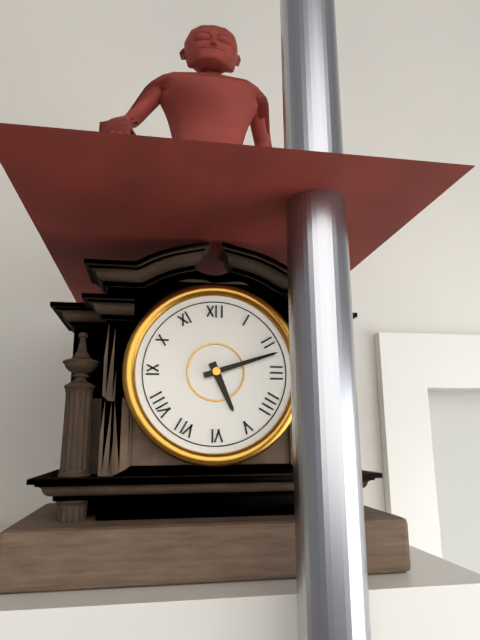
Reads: 5:12
